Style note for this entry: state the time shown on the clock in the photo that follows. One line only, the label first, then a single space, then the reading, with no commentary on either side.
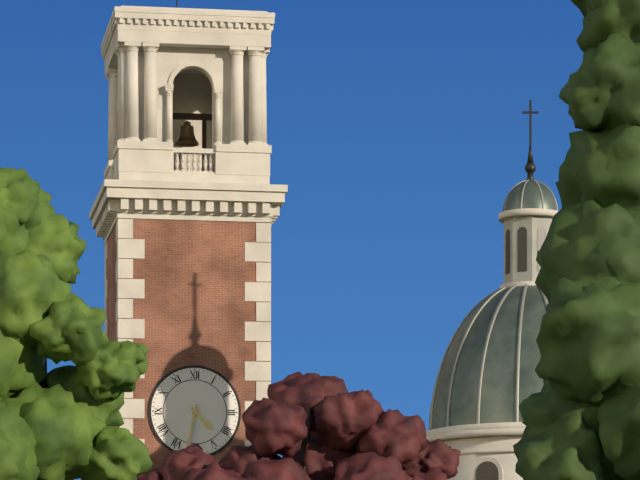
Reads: 4:32
